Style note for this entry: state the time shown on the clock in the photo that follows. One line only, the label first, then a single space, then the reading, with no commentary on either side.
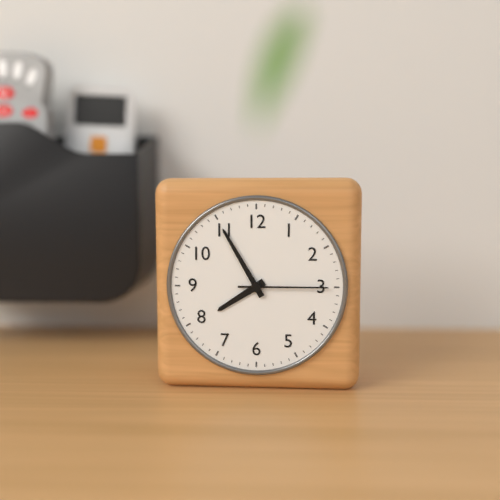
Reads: 7:55:15
